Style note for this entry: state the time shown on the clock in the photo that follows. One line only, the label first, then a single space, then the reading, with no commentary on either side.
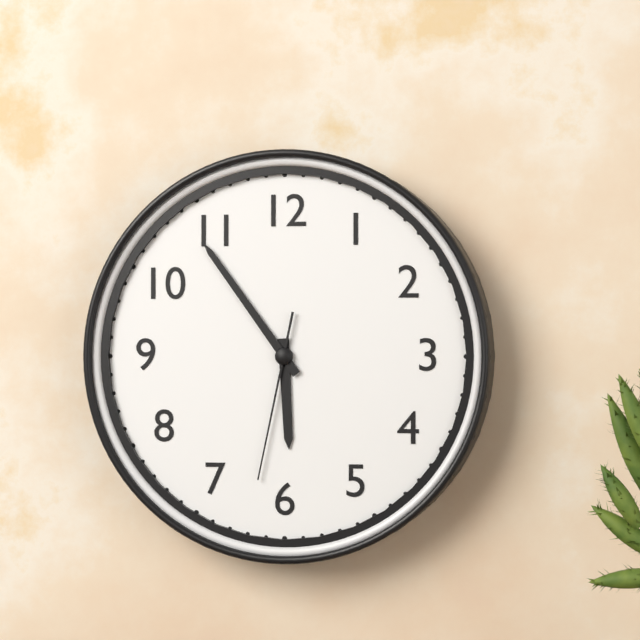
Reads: 5:54:32
